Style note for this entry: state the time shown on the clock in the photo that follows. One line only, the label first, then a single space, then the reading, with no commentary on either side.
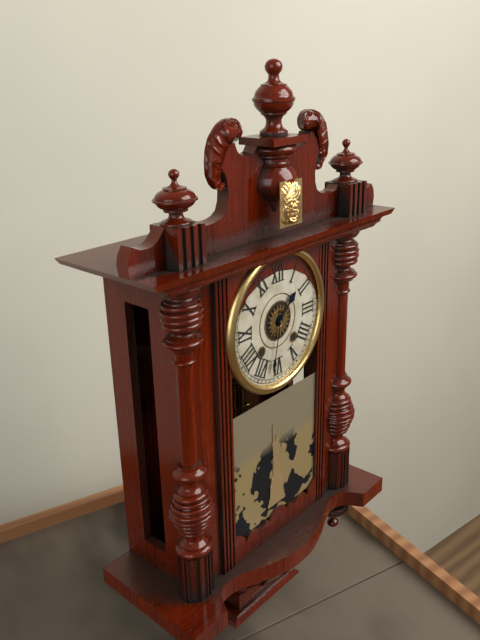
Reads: 1:32
